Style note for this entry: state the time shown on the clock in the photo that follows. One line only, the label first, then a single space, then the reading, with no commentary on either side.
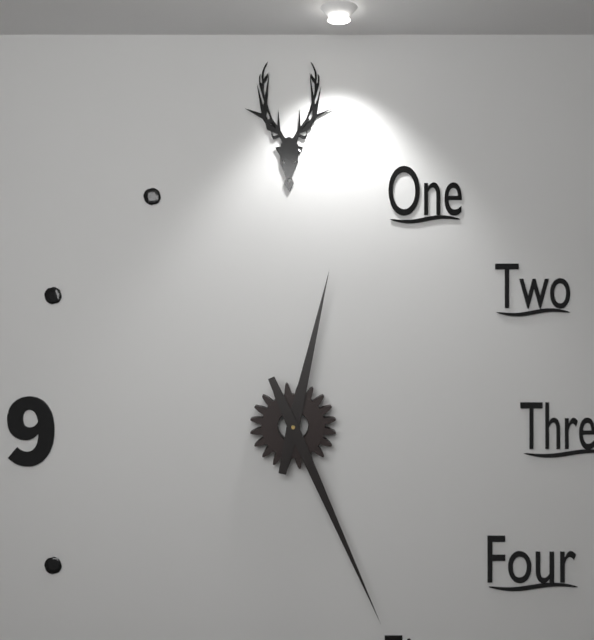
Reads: 12:26
